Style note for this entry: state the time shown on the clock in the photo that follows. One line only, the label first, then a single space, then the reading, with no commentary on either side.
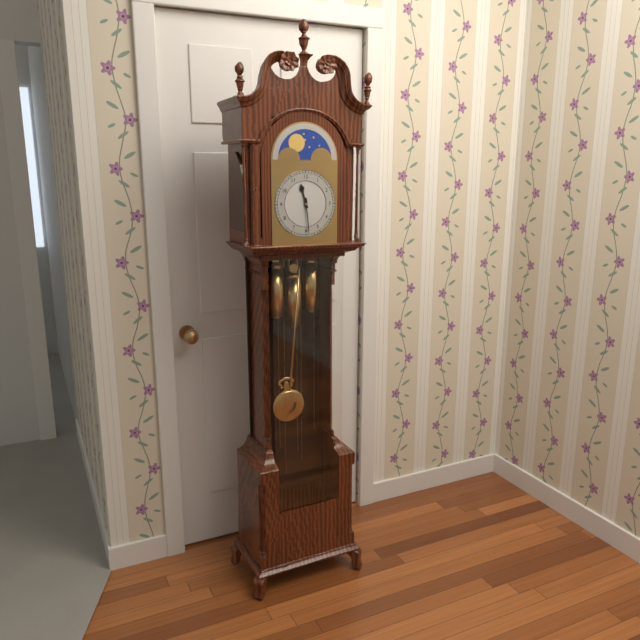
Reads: 11:29
